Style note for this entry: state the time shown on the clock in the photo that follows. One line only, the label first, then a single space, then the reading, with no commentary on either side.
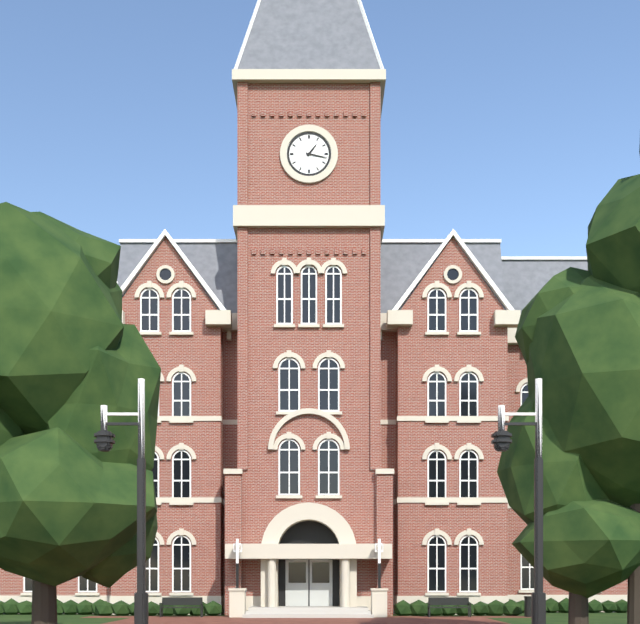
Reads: 1:17
